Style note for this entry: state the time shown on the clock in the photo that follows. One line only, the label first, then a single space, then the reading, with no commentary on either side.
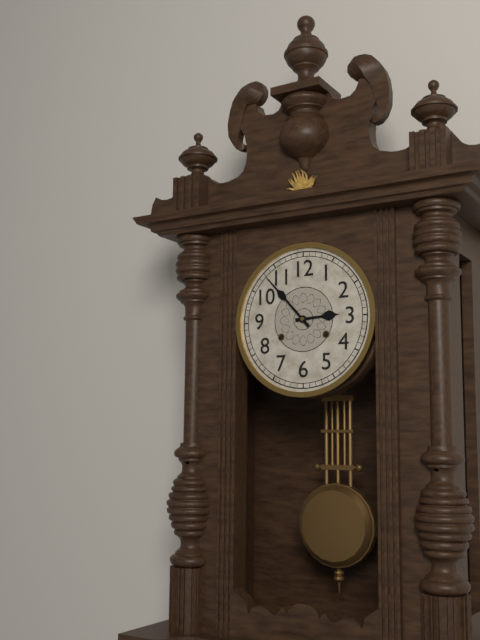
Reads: 2:53
